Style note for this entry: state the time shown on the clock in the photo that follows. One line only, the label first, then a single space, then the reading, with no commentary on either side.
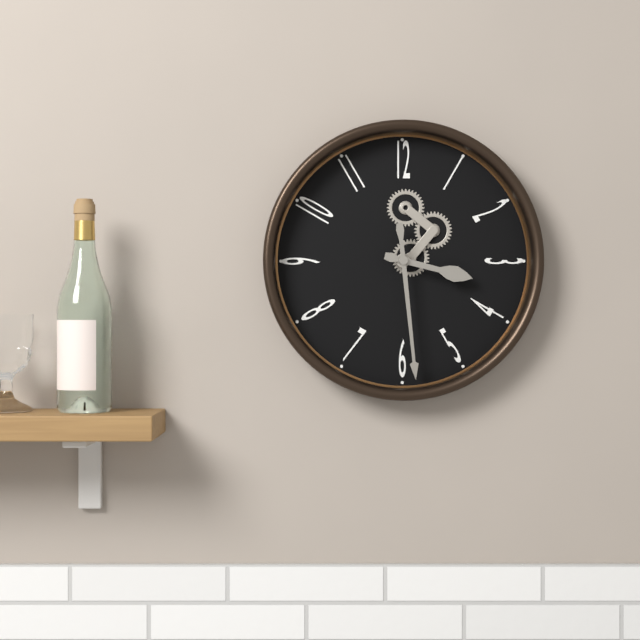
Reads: 3:29
